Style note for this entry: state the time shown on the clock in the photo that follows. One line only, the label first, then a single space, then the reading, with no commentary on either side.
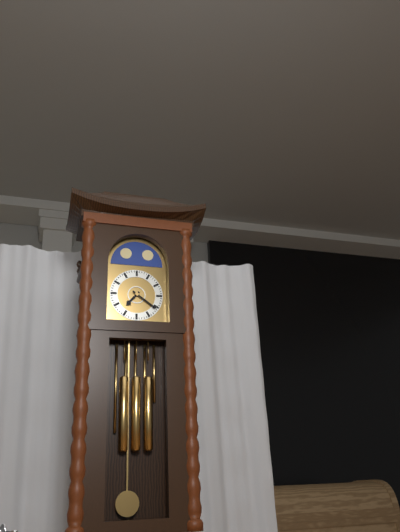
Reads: 7:21
